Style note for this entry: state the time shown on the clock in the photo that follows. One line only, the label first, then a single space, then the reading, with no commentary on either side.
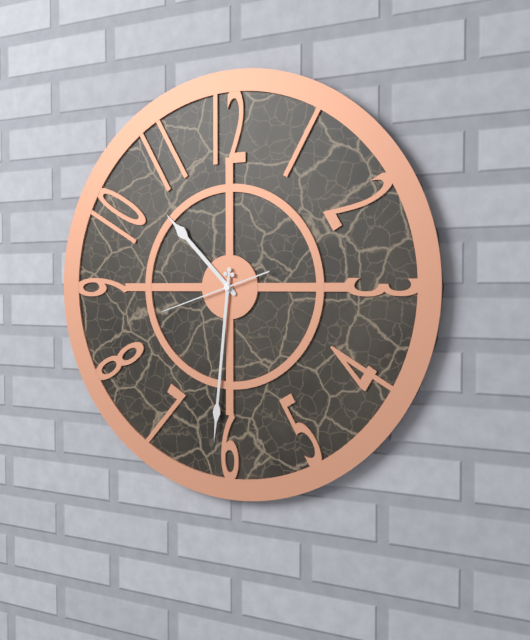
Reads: 10:31:42
